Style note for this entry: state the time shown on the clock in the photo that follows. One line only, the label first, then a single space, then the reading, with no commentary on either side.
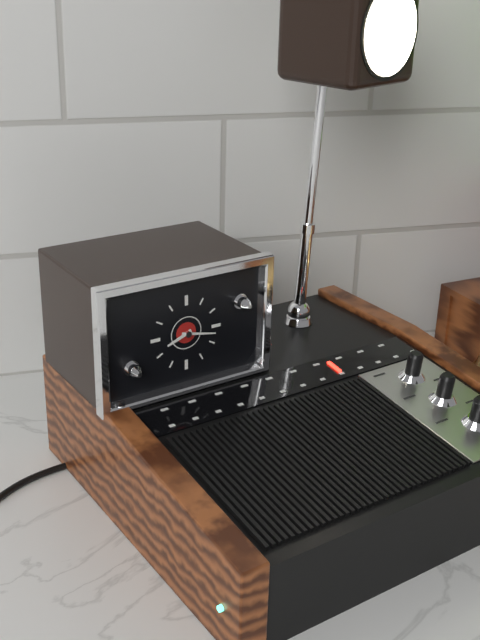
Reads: 8:17
